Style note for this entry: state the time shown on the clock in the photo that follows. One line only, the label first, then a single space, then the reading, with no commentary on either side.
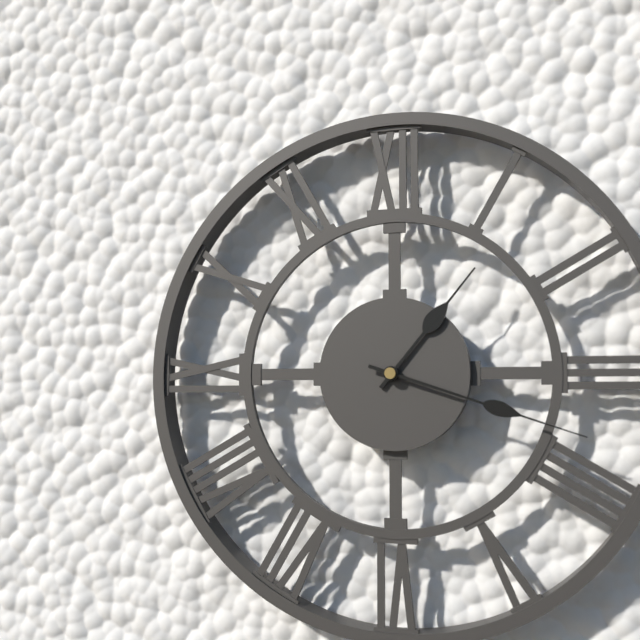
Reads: 1:18
